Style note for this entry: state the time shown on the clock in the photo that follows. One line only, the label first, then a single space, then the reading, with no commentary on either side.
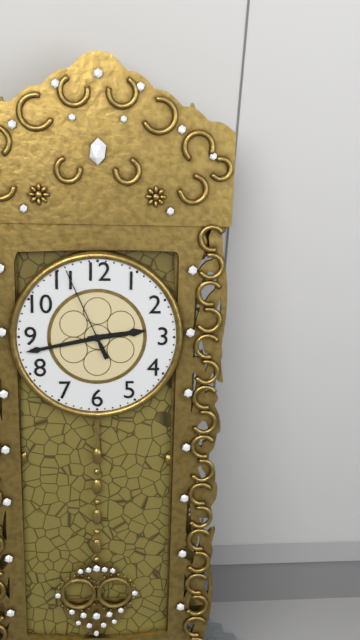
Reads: 2:43:56
